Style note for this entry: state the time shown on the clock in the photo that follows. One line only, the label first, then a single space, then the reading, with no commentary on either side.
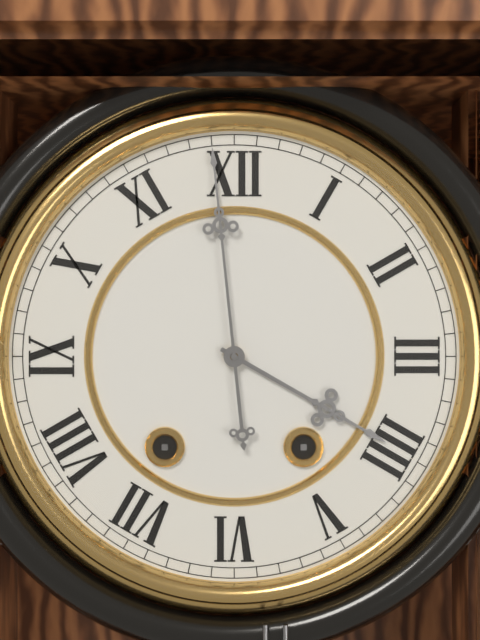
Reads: 3:59
